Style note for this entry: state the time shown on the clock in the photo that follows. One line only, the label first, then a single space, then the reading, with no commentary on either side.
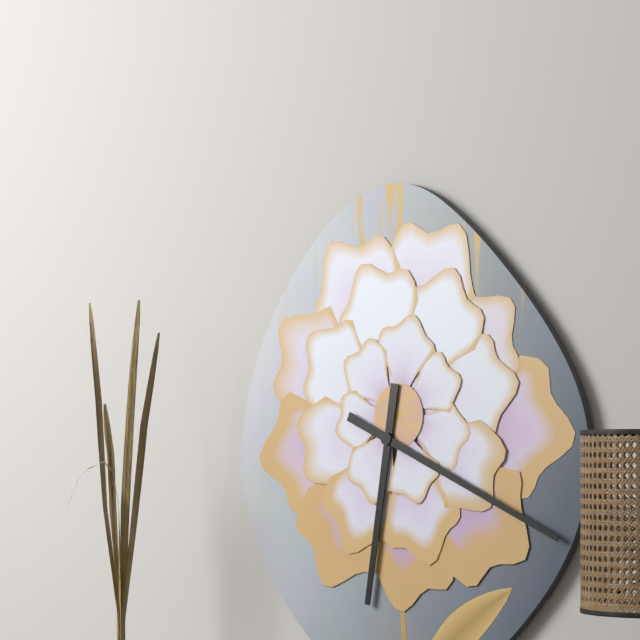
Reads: 6:19
